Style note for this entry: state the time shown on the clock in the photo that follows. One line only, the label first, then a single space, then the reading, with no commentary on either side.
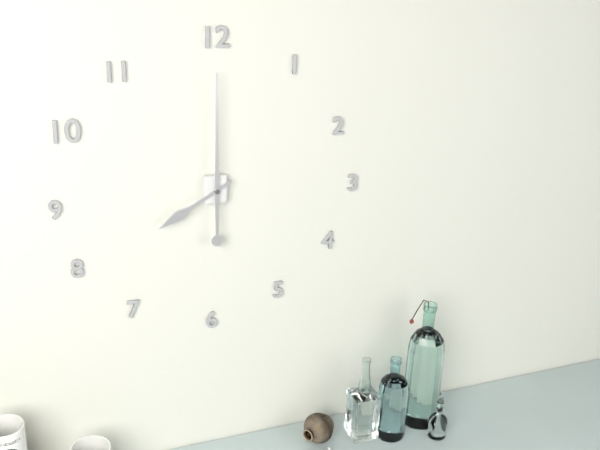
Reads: 8:00
